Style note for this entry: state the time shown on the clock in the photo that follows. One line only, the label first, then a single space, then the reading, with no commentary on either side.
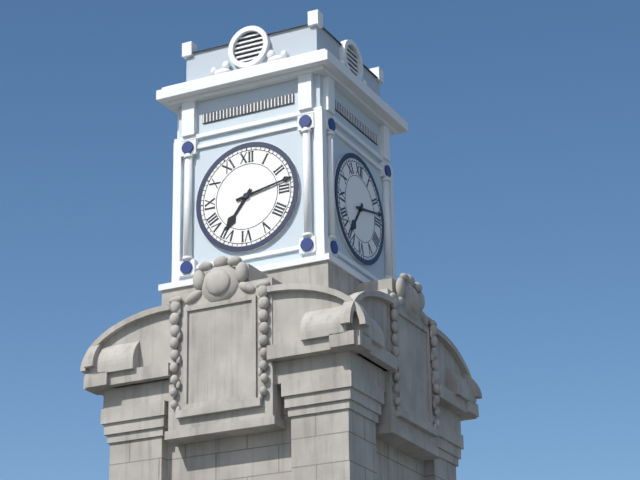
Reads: 7:13
